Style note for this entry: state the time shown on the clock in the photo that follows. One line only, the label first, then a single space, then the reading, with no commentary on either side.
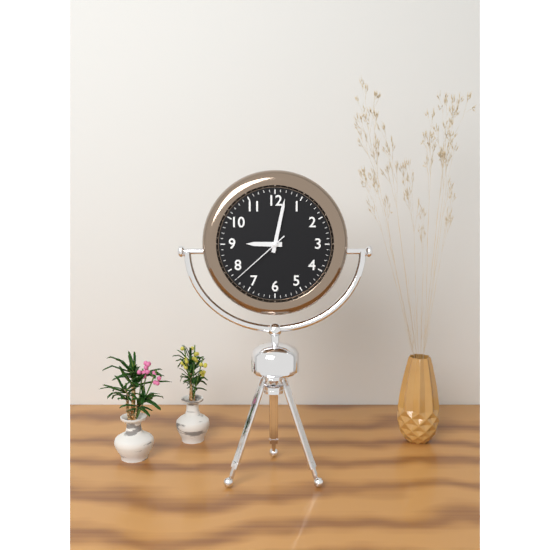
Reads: 9:02:38
